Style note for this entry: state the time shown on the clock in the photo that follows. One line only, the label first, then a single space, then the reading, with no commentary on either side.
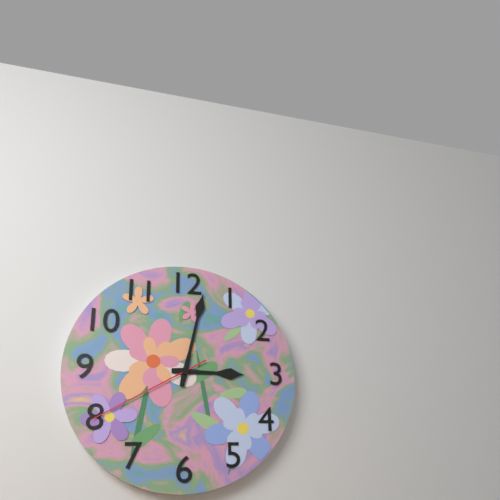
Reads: 3:02:40
